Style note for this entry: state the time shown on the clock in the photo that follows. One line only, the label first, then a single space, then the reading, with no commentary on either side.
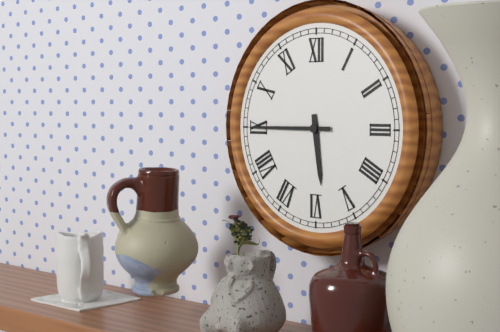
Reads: 5:45
